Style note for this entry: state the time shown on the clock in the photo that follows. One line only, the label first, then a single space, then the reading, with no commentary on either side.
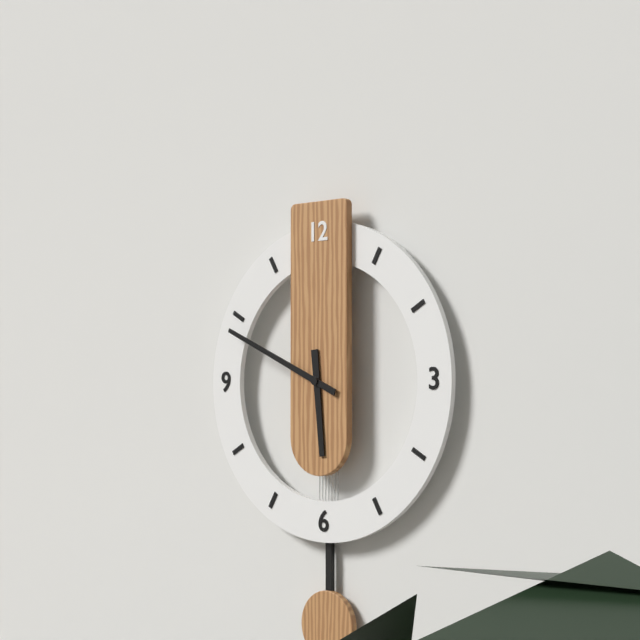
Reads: 5:49
